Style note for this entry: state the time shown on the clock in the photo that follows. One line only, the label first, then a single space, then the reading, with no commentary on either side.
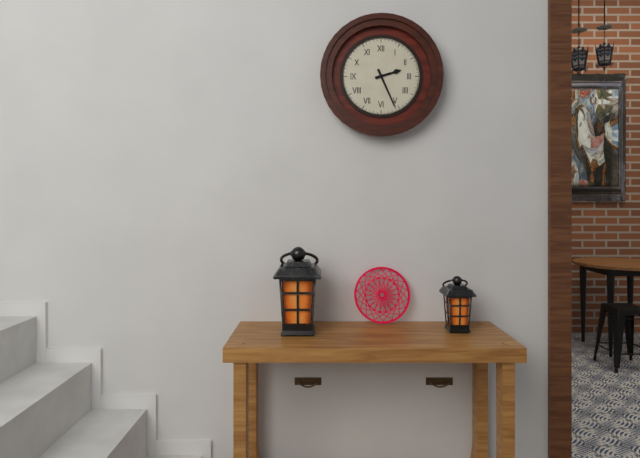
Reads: 2:26
